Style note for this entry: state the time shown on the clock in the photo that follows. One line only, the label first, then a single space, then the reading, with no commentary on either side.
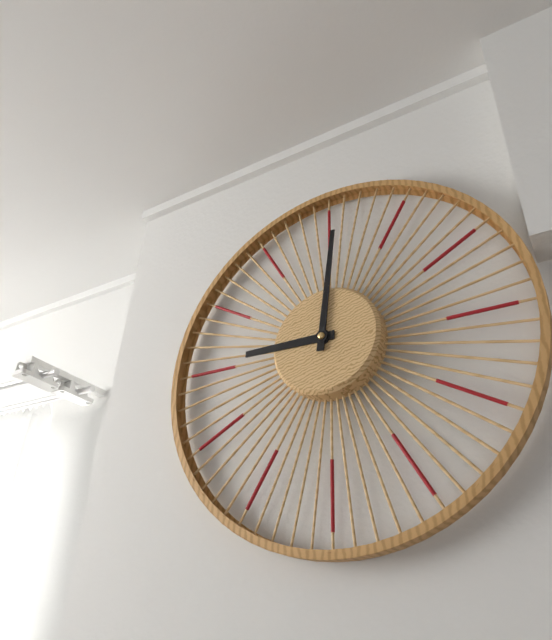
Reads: 9:01
